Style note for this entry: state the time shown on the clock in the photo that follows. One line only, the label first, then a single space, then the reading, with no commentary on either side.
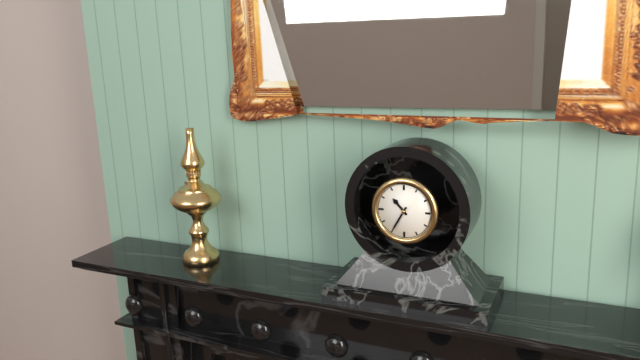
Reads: 10:35
